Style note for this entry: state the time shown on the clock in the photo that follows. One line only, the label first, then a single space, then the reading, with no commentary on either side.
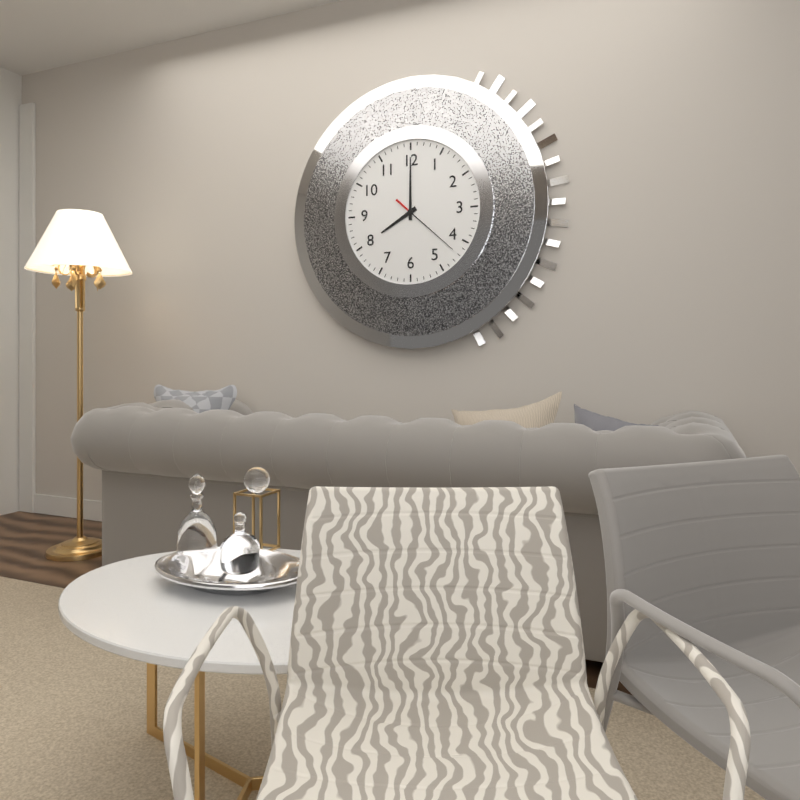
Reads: 8:00:22
